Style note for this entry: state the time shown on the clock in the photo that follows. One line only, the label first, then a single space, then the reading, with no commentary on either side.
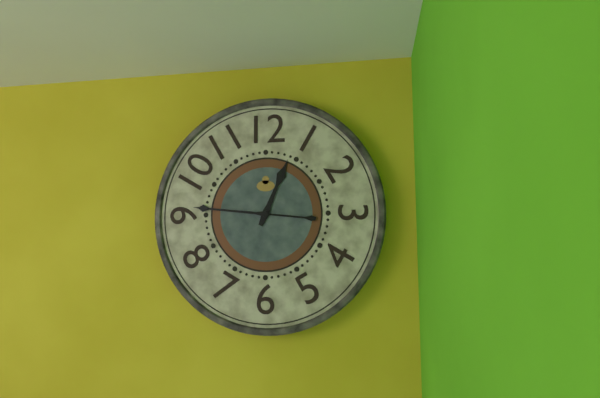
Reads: 12:46
